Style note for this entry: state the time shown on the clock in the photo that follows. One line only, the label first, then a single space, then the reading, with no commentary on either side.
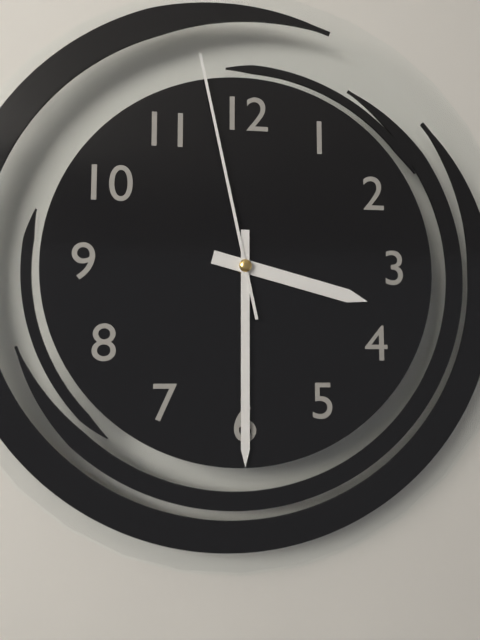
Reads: 3:30:58
